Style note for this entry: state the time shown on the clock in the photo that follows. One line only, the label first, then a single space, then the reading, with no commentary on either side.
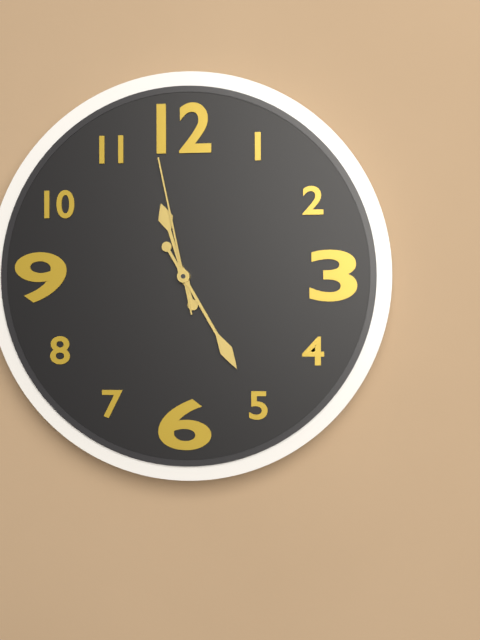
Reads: 11:25:58
